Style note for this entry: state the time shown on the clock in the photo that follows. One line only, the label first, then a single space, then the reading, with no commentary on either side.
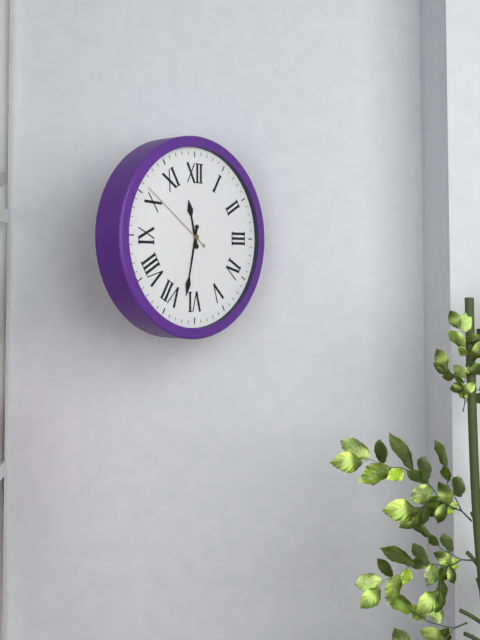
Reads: 11:32:51
